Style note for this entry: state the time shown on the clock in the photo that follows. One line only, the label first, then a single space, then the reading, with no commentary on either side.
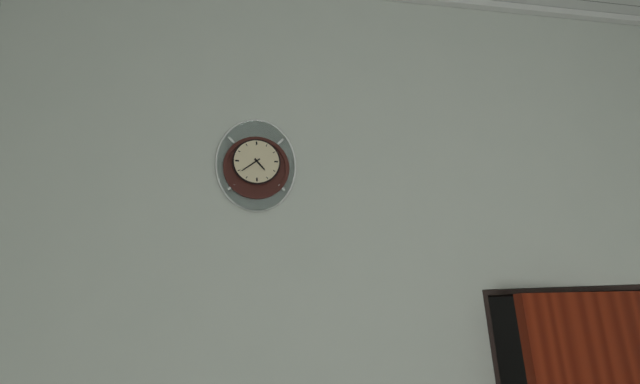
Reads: 4:39
